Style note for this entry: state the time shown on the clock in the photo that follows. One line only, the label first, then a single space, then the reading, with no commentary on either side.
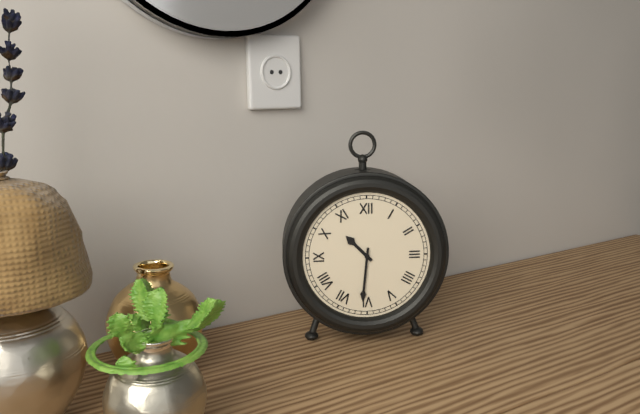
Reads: 10:31
